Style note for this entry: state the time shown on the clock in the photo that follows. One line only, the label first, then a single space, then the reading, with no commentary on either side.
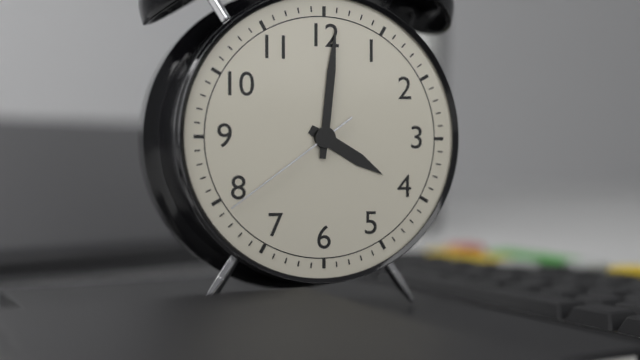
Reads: 4:01:39
